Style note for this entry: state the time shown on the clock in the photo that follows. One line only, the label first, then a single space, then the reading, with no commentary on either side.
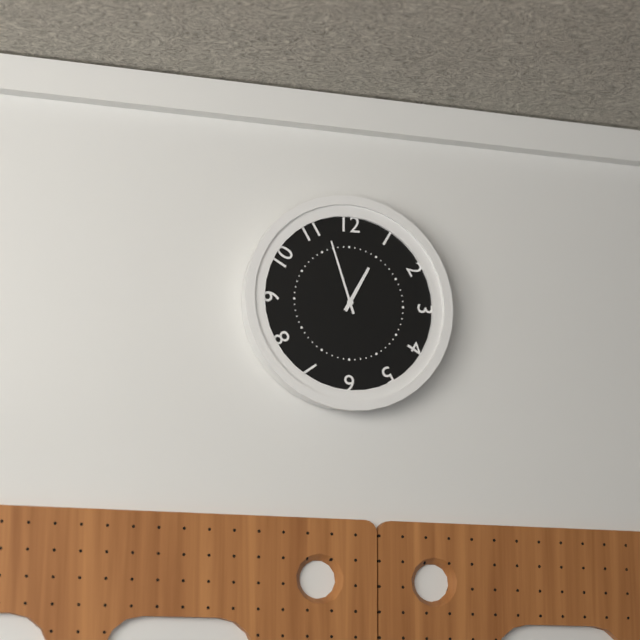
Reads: 12:57
